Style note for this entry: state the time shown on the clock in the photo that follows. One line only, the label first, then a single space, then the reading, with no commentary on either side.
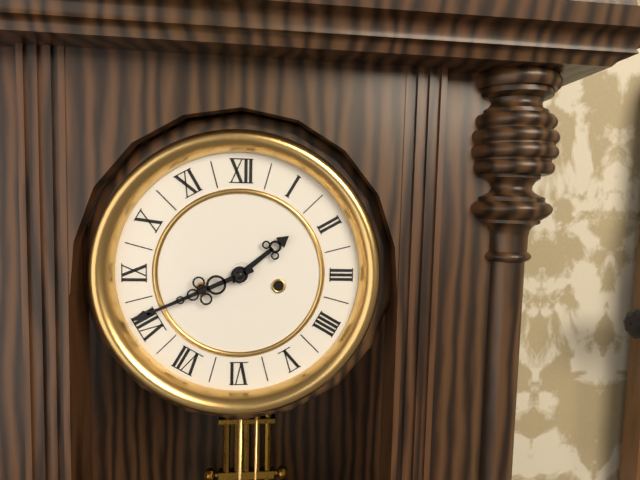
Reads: 1:41
